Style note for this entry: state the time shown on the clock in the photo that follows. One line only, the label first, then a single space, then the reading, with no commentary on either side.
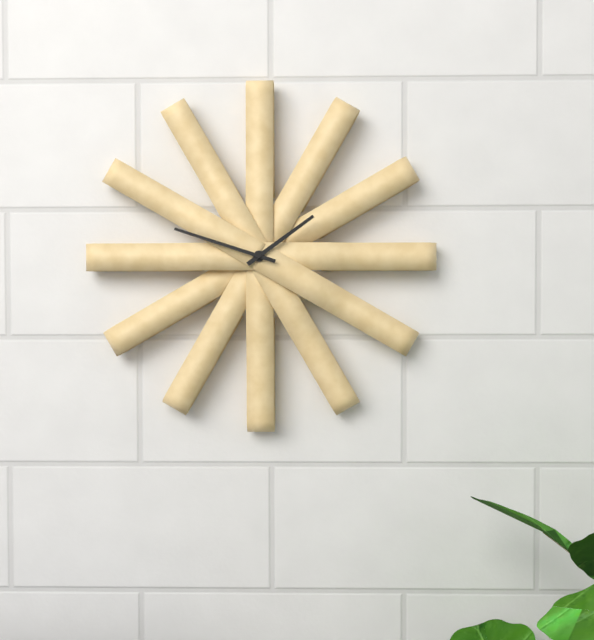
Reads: 1:48
